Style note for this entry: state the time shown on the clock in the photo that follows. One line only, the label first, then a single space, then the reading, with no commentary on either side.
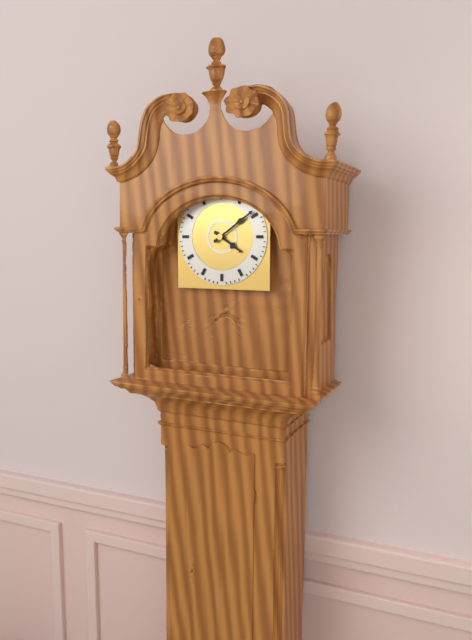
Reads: 4:09
